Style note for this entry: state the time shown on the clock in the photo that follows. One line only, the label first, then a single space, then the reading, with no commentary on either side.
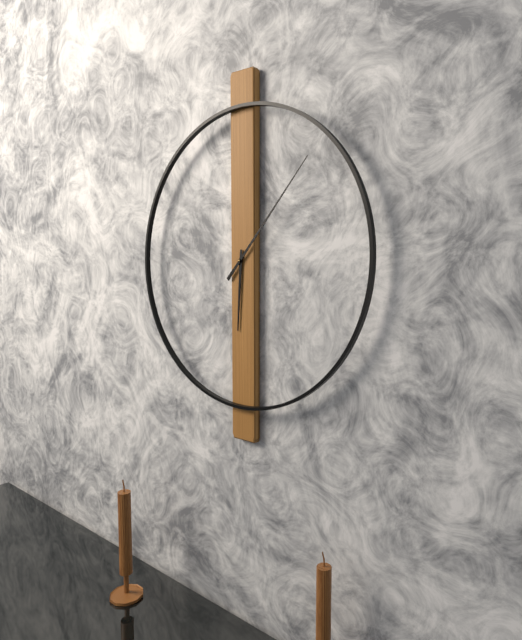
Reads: 6:07
